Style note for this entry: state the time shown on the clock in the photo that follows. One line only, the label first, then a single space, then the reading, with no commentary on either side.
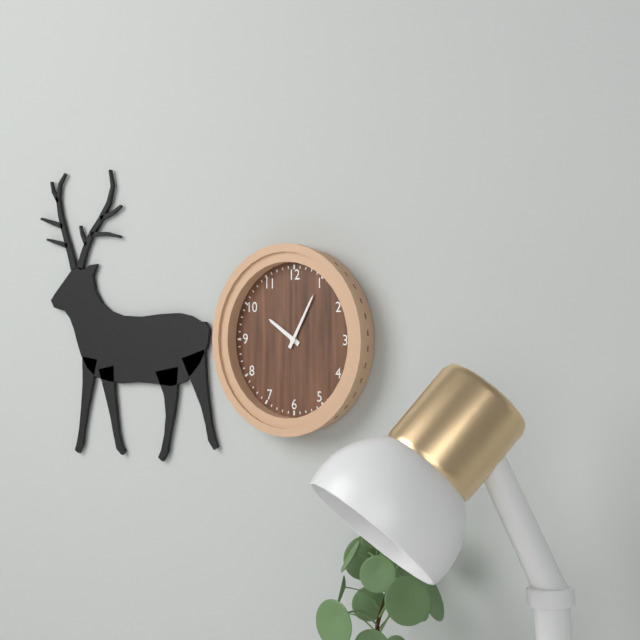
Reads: 10:05
